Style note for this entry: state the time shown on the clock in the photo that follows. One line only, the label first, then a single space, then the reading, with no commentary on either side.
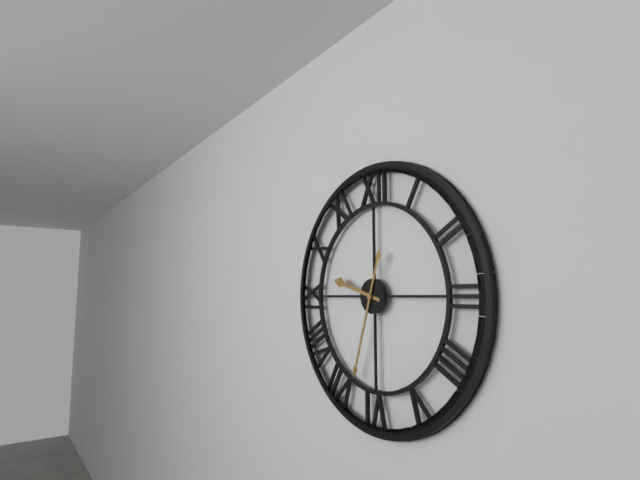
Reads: 9:33
